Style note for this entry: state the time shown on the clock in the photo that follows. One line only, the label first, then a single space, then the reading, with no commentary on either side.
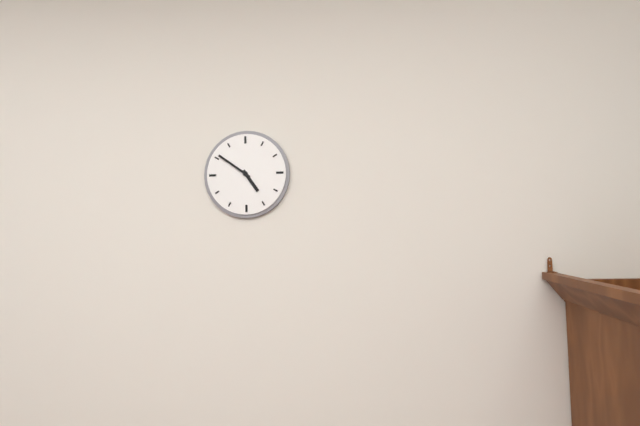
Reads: 4:51
